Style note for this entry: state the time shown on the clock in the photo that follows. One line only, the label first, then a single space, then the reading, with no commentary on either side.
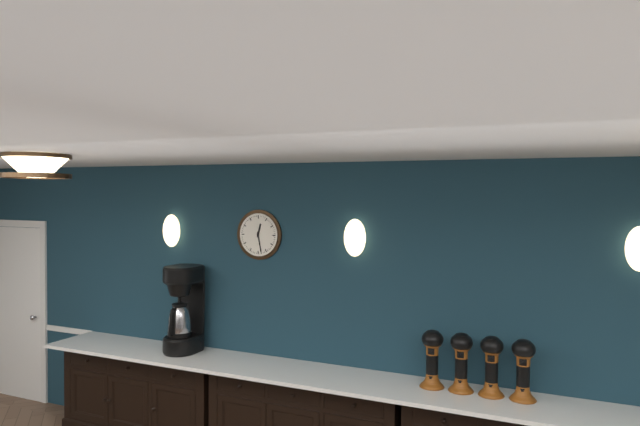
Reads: 12:28
